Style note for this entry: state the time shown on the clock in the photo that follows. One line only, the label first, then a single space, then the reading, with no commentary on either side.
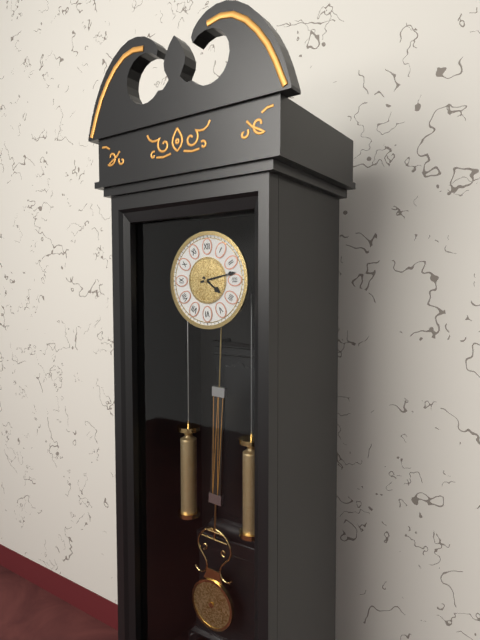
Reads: 4:13
